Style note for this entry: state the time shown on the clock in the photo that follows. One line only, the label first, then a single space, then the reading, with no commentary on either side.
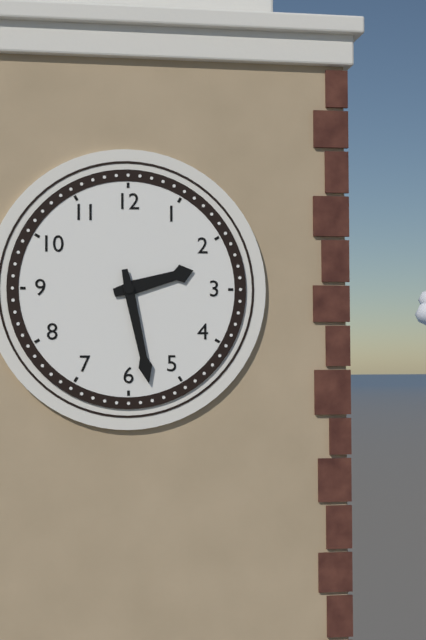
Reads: 2:28
